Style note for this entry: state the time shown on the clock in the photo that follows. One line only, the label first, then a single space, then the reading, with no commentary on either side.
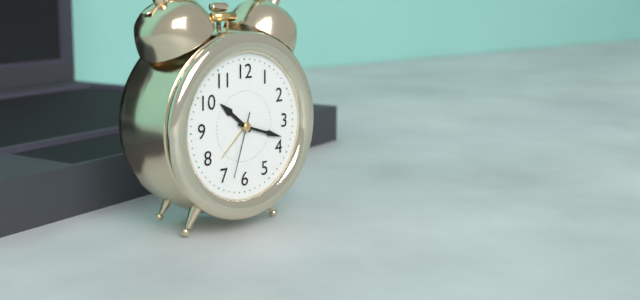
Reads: 10:18:33
